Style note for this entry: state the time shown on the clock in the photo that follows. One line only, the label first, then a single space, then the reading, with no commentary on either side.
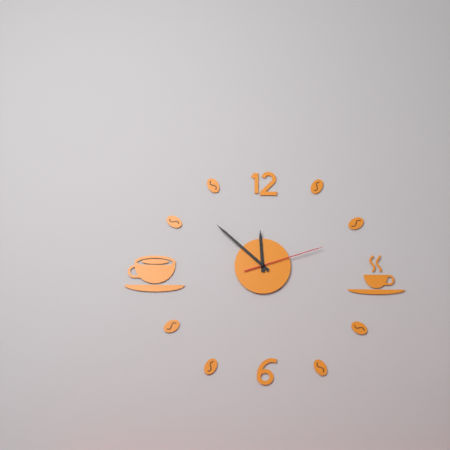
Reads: 11:52:12
